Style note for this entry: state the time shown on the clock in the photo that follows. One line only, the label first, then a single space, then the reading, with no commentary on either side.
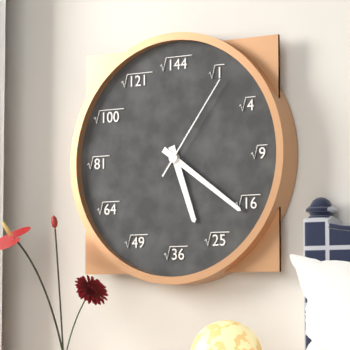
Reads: 5:21:06
